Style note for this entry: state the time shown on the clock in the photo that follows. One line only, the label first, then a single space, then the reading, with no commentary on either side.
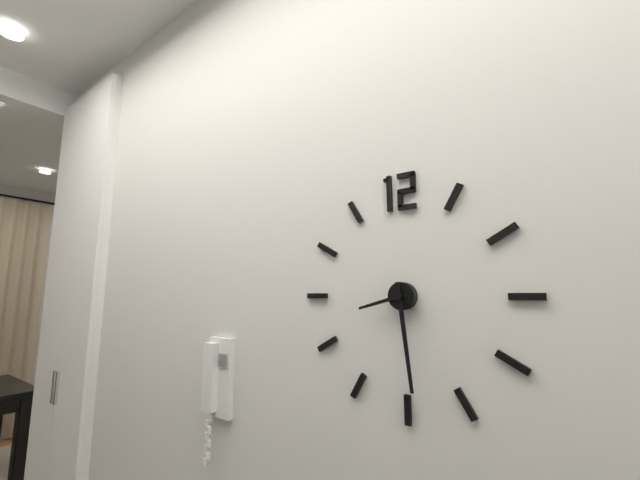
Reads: 8:29
